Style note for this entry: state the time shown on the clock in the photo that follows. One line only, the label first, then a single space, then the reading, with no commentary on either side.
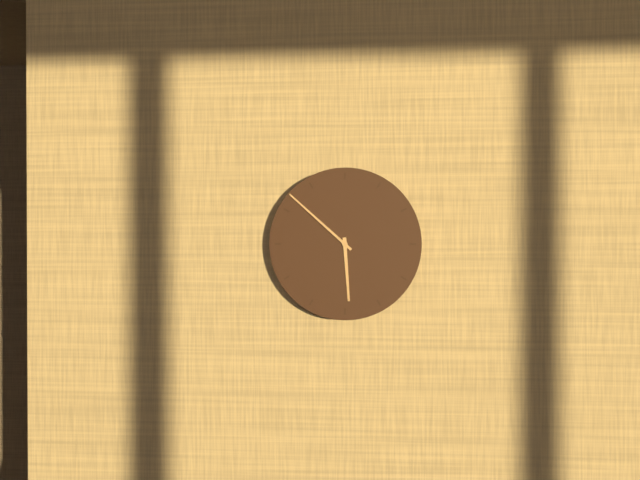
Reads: 5:52
